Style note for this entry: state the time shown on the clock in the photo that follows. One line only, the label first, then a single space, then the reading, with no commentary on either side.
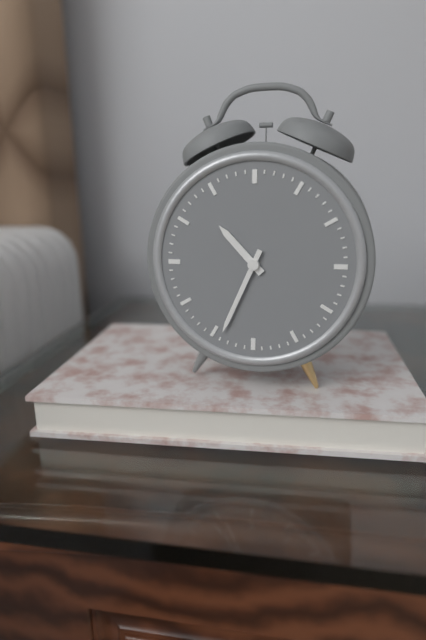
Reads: 10:34
